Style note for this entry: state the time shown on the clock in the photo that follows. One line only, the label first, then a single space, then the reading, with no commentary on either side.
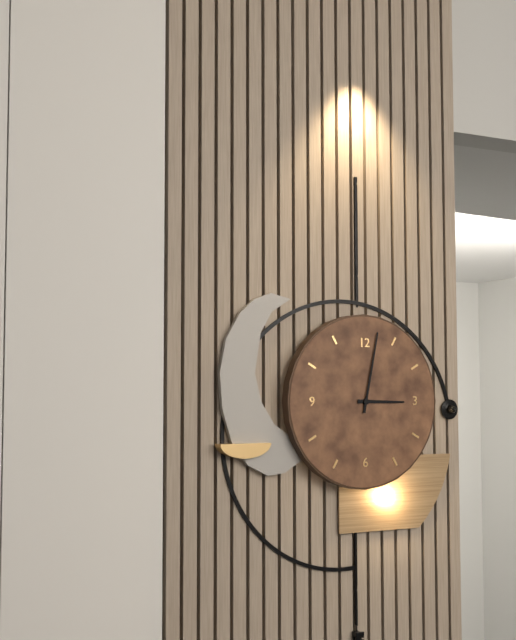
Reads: 3:02
